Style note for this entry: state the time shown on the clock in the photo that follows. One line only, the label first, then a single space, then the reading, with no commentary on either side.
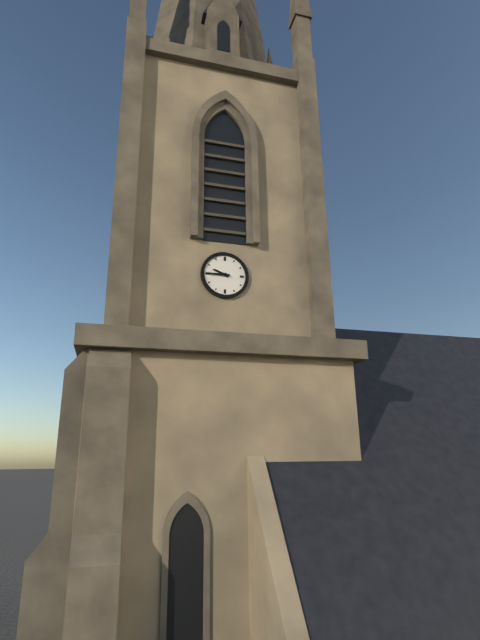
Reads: 9:45
